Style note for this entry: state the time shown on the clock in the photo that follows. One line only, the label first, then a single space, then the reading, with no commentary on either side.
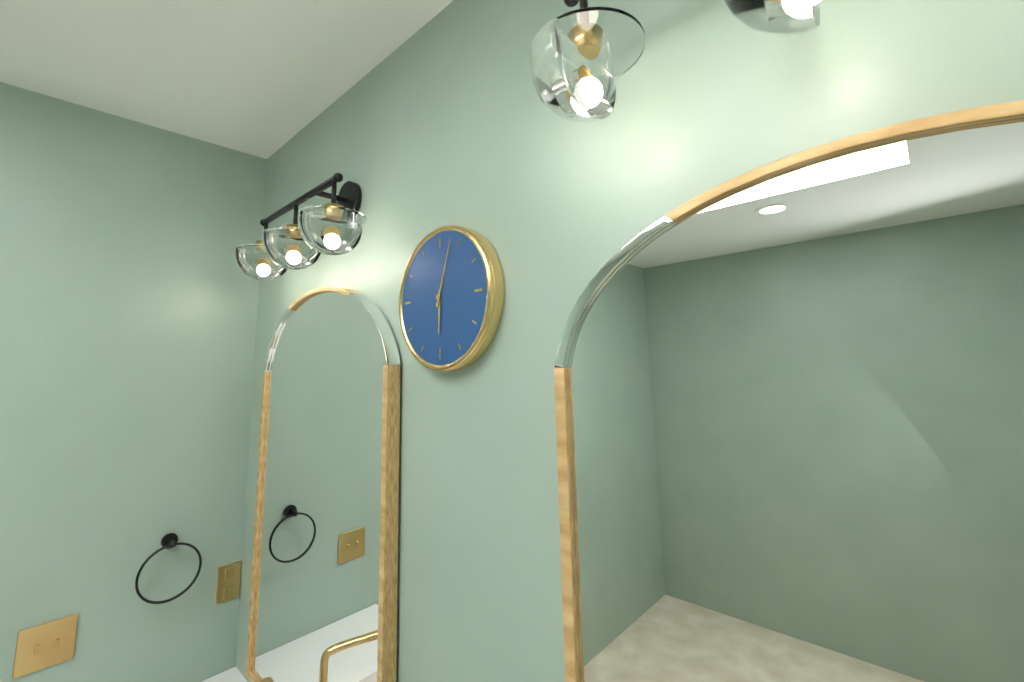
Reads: 6:03
